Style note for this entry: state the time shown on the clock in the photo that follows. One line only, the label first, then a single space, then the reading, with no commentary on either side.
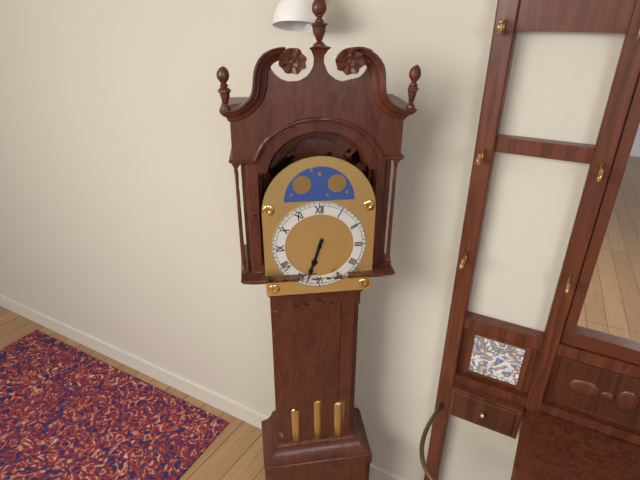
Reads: 6:33
